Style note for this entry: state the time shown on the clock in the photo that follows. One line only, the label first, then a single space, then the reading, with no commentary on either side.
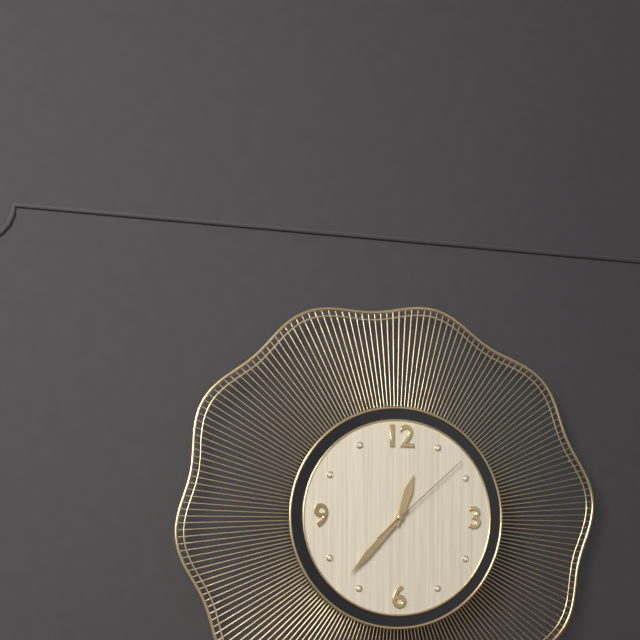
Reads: 12:37:08
